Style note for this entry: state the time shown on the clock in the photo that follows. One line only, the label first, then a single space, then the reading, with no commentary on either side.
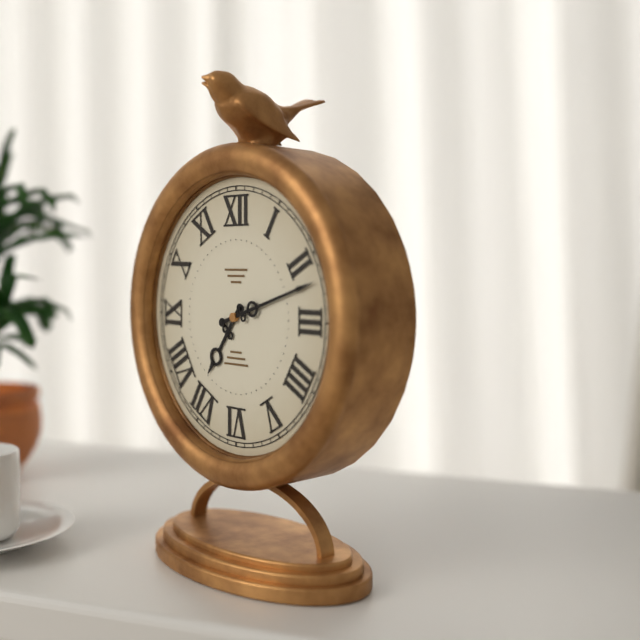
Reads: 7:12
